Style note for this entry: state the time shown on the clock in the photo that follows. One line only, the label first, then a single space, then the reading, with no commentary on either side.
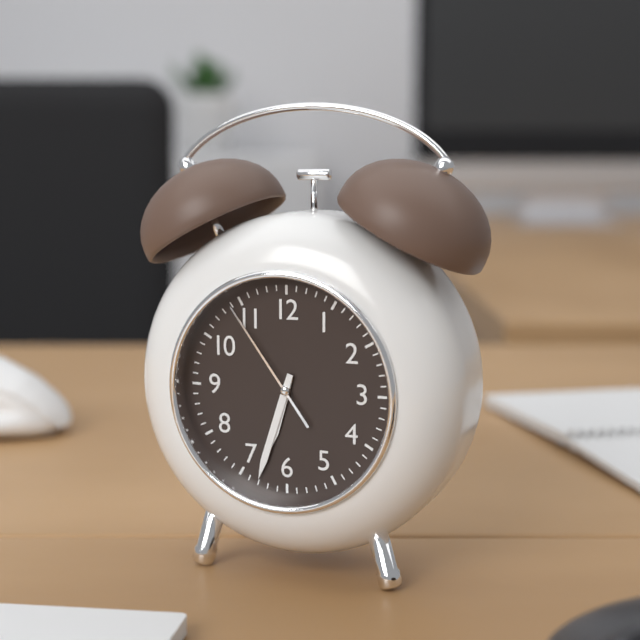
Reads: 6:33:54
